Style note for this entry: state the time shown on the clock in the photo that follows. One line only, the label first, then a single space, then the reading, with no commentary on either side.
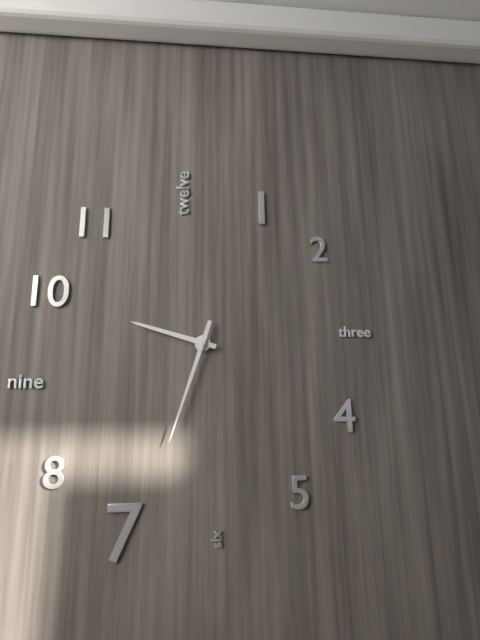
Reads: 9:33
